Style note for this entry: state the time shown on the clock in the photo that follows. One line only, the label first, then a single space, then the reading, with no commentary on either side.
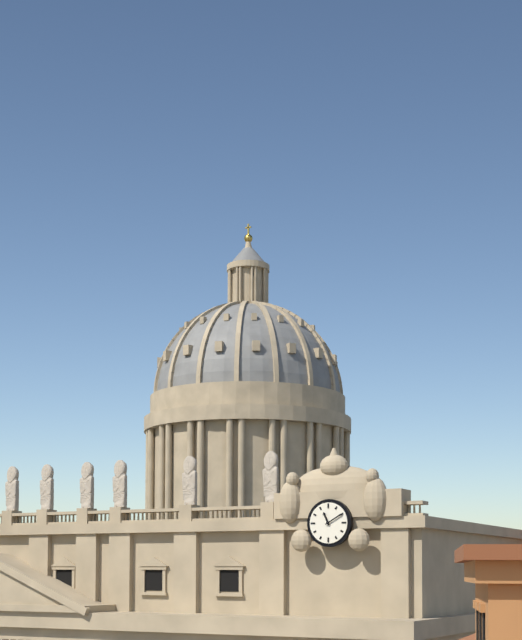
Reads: 11:10
